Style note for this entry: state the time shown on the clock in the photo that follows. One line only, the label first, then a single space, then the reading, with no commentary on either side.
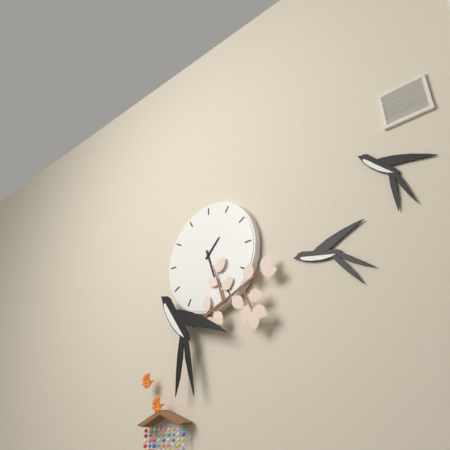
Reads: 1:27
